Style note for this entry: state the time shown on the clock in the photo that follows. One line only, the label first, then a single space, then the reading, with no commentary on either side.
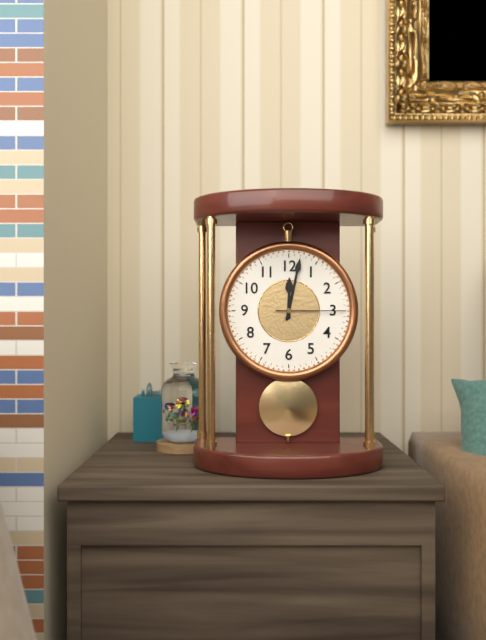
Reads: 12:02:15
